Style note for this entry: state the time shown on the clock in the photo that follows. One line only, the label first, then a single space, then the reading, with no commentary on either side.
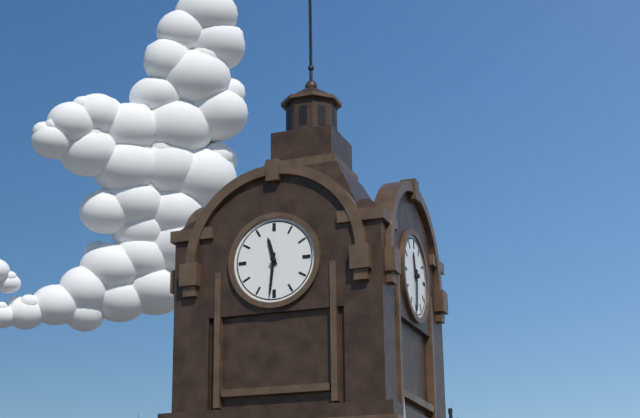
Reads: 11:31
